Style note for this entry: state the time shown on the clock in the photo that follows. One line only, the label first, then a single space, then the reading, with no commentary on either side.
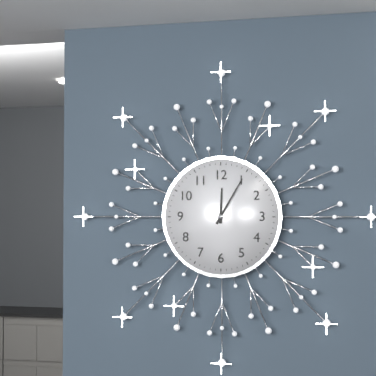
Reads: 12:05
